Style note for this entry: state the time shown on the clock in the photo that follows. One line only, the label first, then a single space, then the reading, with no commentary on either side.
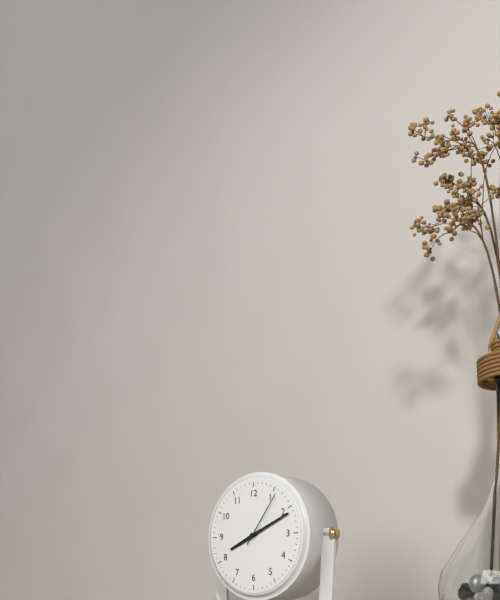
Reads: 8:11:06
